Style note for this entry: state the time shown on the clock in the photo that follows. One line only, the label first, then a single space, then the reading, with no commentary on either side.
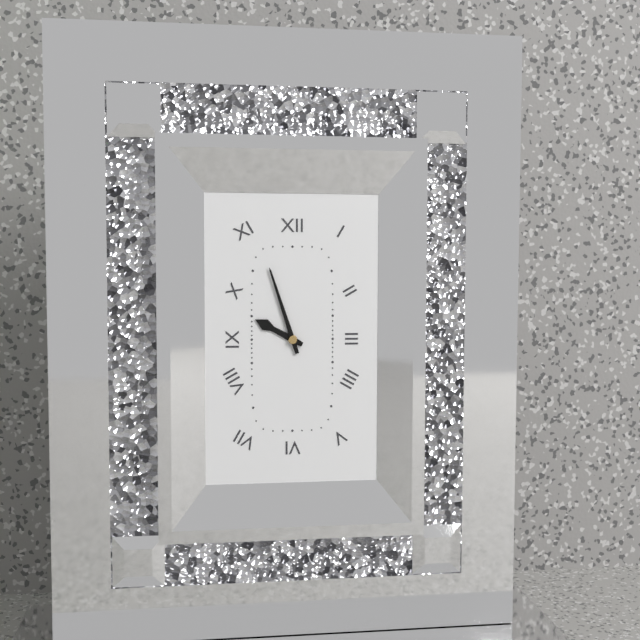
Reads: 9:57
